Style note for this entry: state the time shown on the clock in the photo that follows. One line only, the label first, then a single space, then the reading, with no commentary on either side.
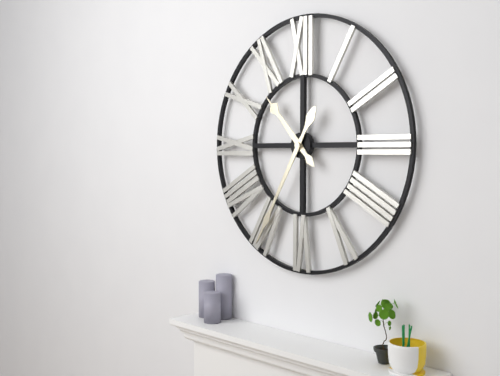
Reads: 10:35
